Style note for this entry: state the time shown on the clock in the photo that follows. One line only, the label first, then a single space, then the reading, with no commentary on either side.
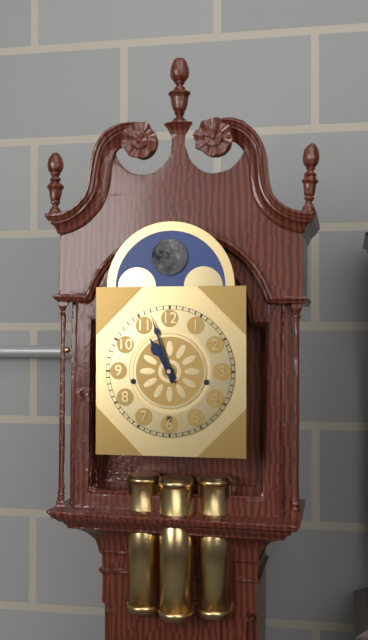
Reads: 10:57
